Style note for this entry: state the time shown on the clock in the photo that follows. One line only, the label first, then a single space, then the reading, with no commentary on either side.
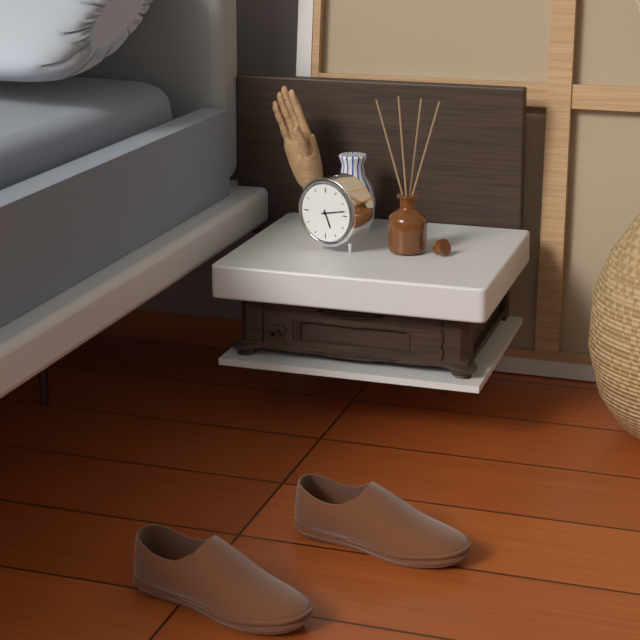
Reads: 5:13
